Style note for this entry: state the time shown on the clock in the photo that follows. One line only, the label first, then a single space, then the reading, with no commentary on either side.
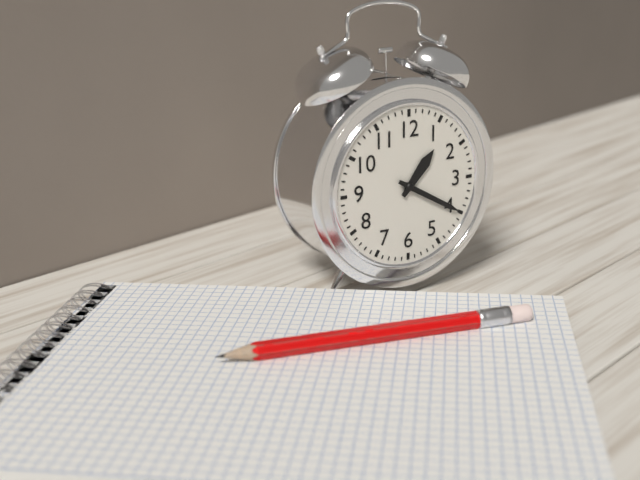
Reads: 1:20
